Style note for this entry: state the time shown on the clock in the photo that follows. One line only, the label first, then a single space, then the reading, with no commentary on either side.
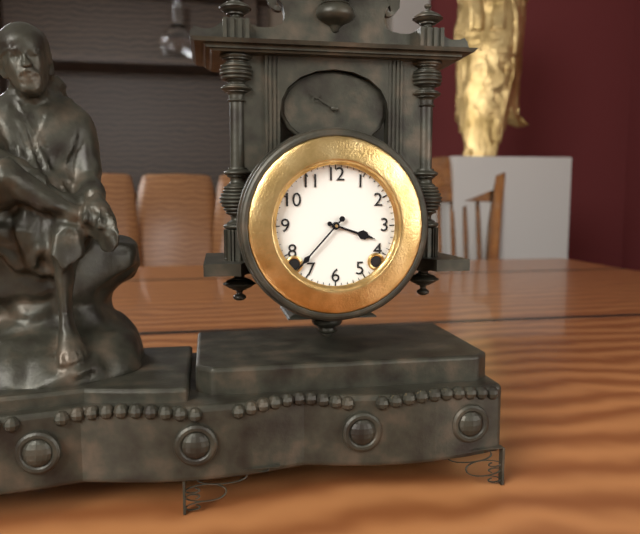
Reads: 3:37
